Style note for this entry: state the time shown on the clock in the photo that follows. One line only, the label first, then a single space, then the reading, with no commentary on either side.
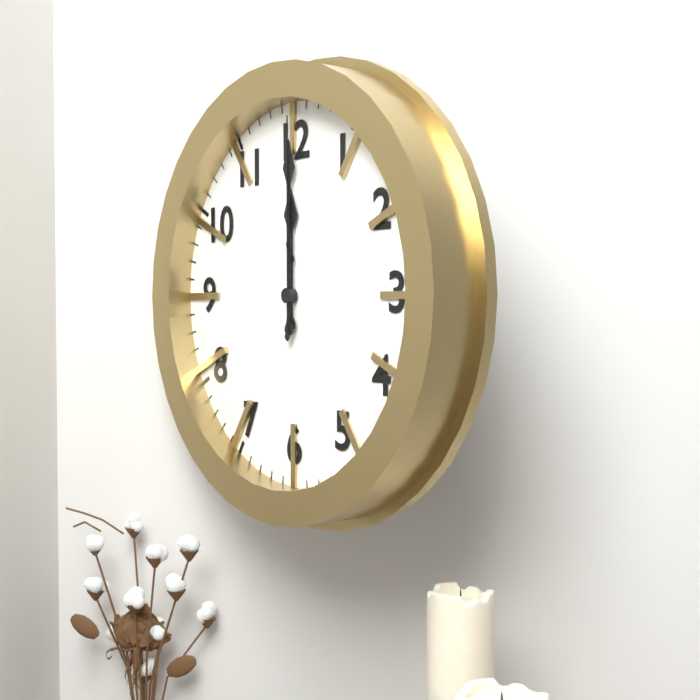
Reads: 12:00:00
